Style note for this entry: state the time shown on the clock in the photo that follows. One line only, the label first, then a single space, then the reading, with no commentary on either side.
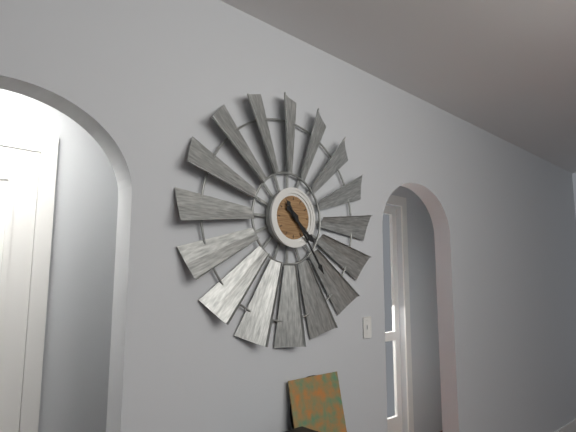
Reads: 4:24
